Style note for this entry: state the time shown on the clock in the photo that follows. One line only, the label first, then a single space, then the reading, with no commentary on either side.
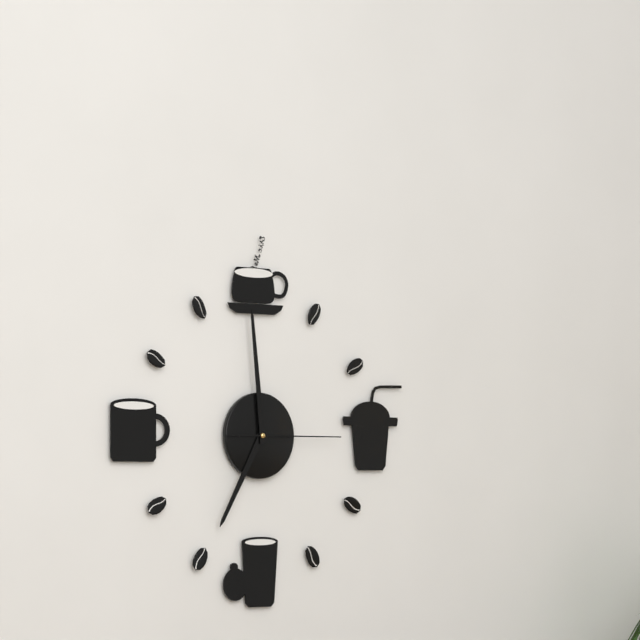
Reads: 6:59:15
